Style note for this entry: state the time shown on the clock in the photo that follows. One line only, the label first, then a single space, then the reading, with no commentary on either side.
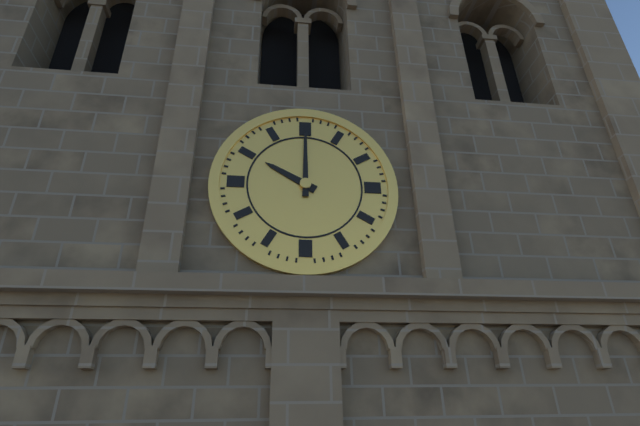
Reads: 10:00
